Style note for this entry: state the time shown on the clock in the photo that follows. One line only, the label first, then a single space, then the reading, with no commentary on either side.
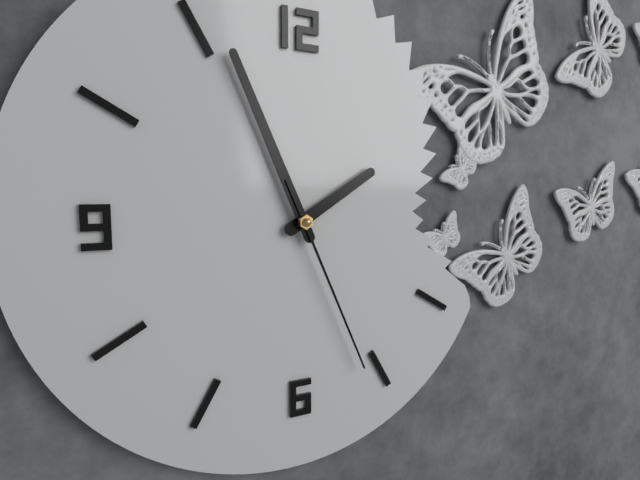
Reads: 1:56:26
